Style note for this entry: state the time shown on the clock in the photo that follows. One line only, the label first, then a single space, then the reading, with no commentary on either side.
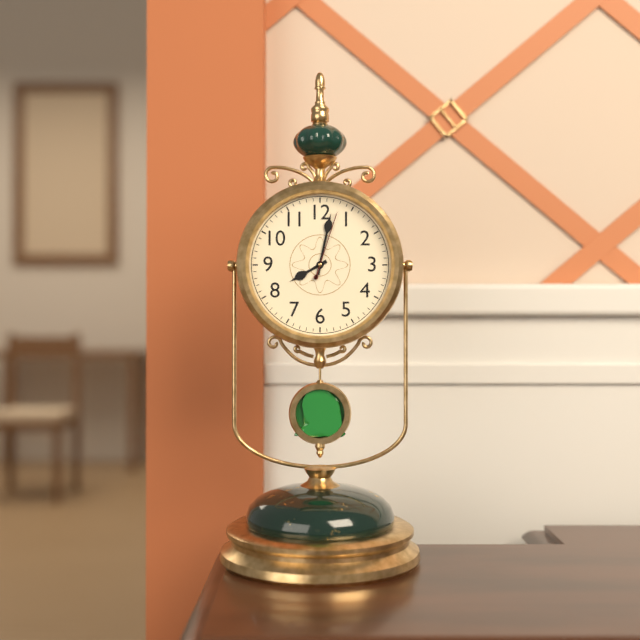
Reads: 8:02:03
